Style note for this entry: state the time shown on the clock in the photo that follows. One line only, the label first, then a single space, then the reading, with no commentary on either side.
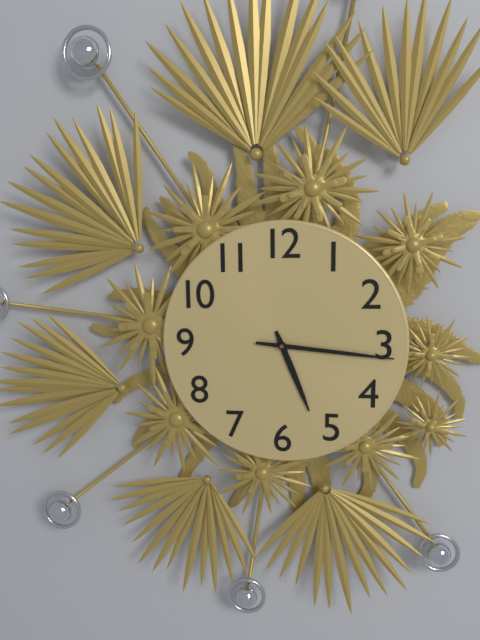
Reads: 5:16
